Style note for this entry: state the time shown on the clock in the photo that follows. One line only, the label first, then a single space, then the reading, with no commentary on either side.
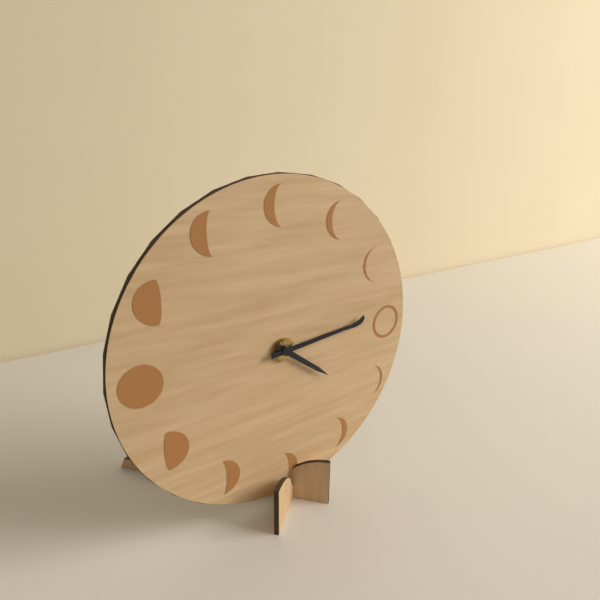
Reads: 4:14
